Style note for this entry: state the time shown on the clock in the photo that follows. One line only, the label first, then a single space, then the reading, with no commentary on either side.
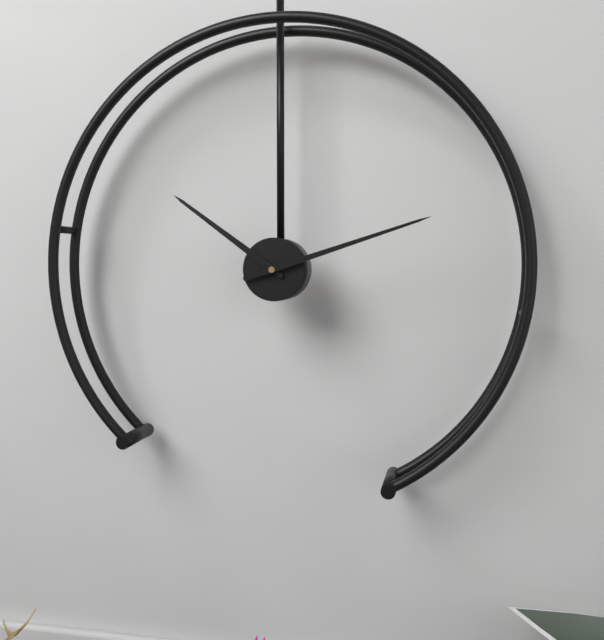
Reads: 10:12
